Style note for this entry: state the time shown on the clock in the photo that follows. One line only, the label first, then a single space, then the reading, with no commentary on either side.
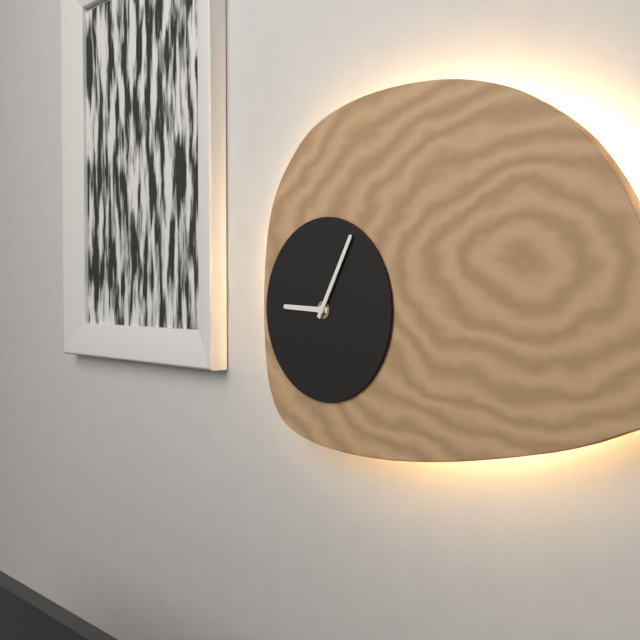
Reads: 9:05
